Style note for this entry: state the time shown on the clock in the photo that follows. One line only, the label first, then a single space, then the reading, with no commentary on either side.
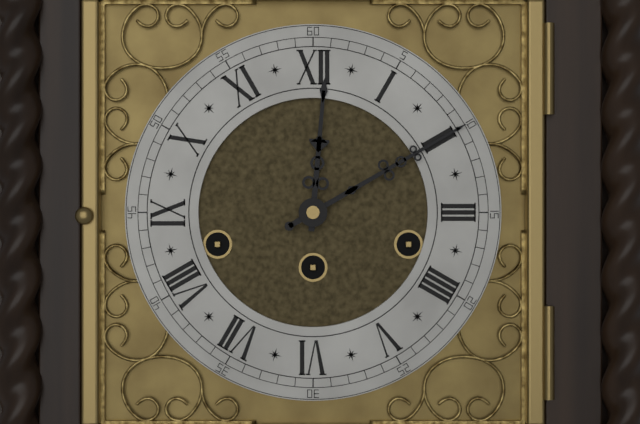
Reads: 12:10
